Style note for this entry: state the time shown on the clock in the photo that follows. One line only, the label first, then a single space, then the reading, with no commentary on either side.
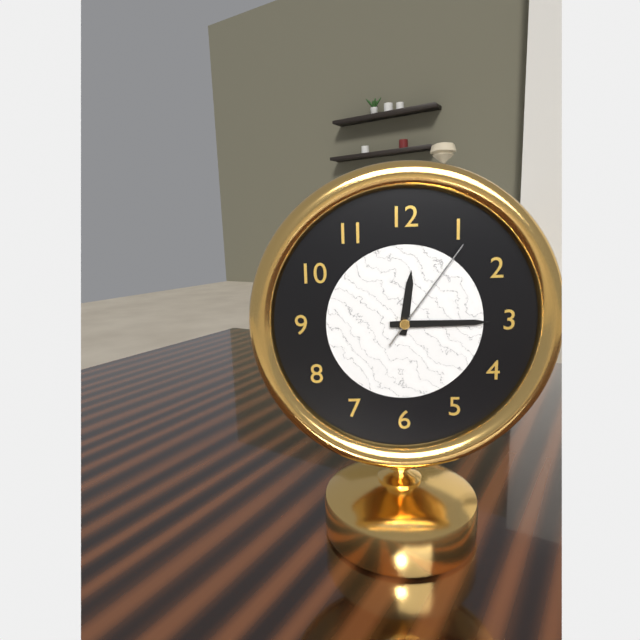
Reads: 12:15:06
